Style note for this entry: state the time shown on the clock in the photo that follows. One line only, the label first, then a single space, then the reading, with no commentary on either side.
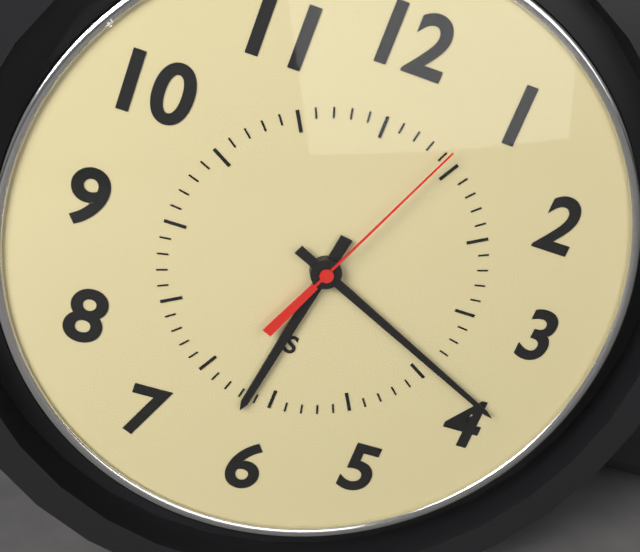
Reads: 6:19:04
